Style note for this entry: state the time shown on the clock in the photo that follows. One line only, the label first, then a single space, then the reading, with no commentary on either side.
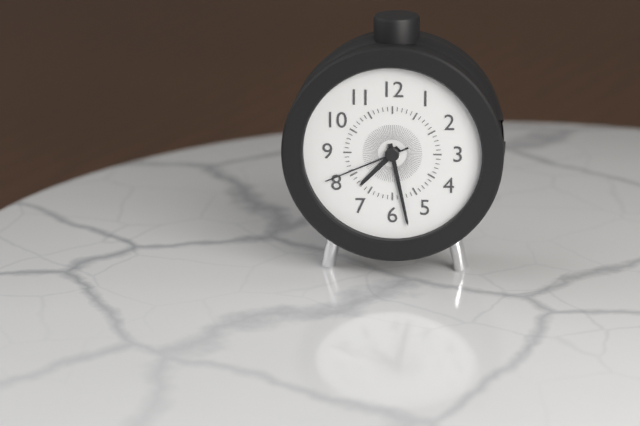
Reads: 7:28:41
